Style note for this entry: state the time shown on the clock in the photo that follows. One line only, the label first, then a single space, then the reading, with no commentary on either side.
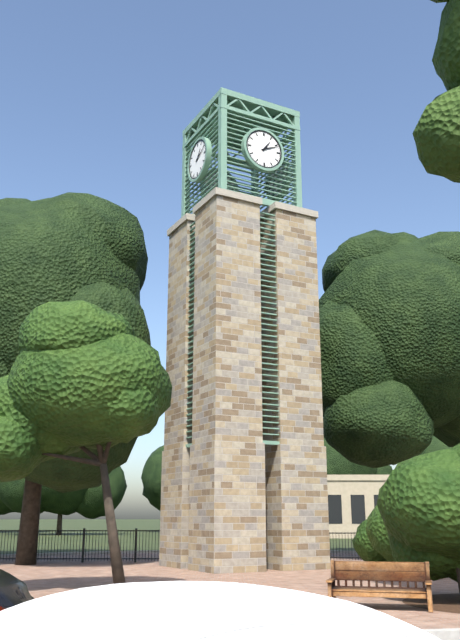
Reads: 1:11
